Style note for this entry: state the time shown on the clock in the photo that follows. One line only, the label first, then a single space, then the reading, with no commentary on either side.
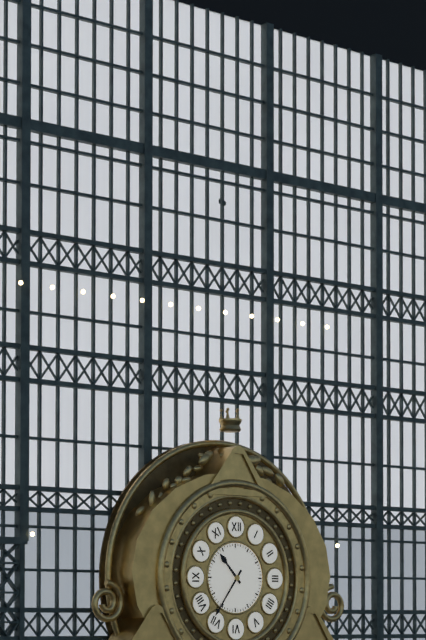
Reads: 10:36
